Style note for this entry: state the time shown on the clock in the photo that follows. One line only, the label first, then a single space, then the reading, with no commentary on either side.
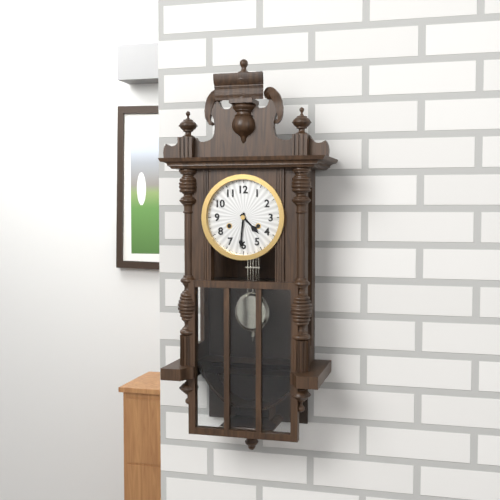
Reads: 4:31
